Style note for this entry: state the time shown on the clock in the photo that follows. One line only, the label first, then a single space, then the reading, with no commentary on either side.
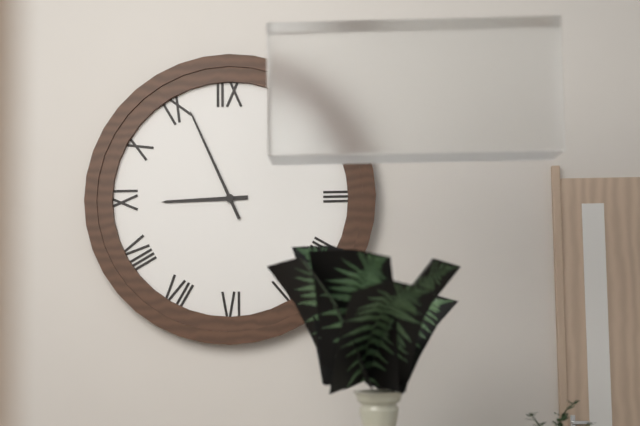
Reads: 8:56
